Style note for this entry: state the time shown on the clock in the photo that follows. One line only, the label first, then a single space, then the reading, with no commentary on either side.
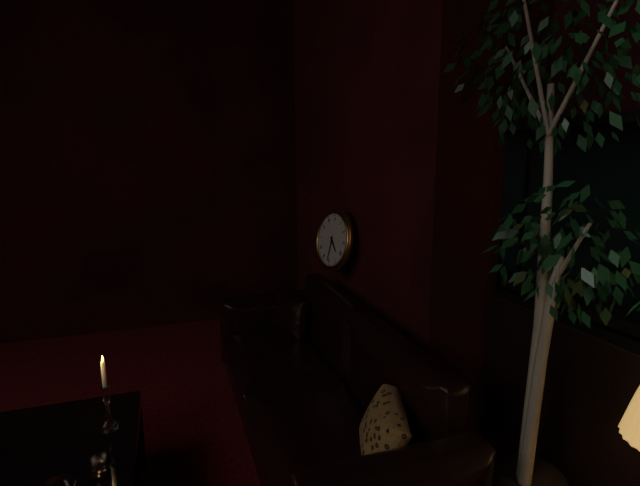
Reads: 4:31
